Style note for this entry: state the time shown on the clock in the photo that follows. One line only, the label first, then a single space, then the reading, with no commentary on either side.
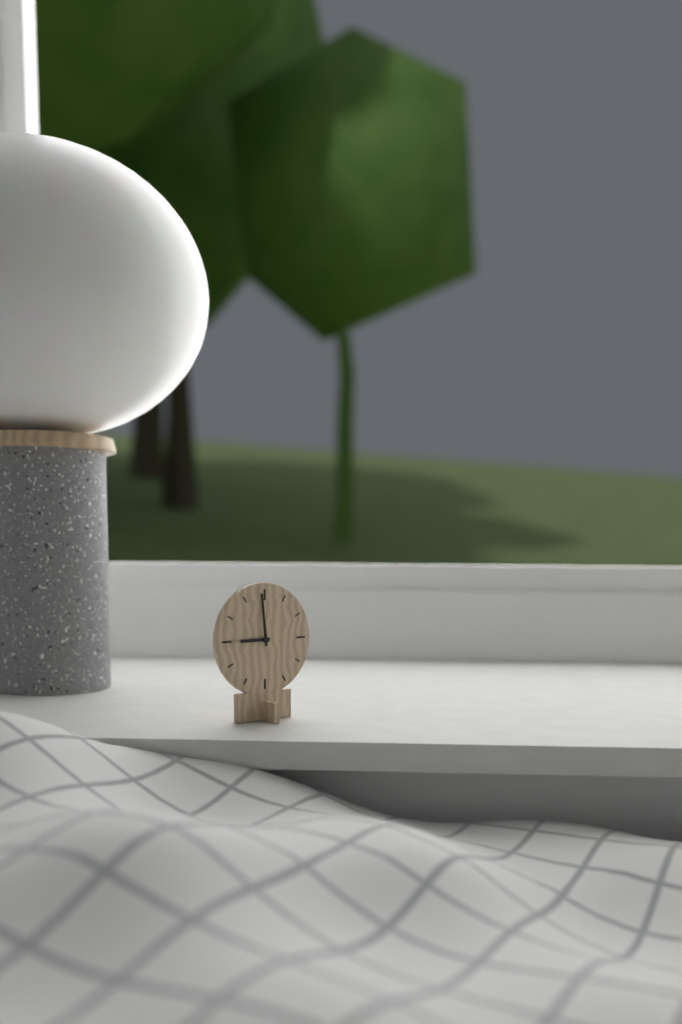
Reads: 8:59
